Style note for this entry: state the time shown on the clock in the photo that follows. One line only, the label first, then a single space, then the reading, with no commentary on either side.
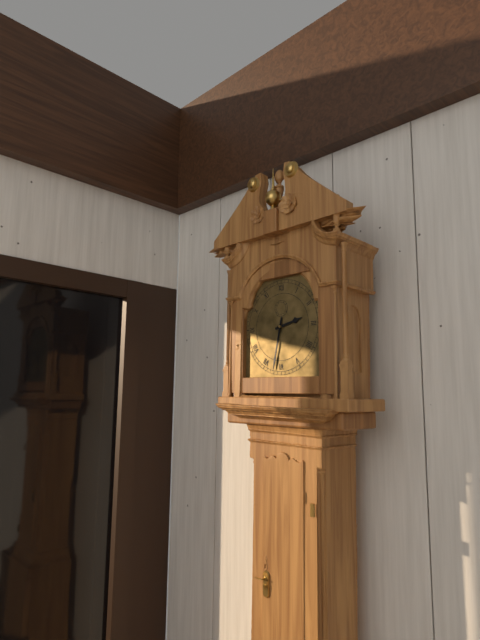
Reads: 2:32
